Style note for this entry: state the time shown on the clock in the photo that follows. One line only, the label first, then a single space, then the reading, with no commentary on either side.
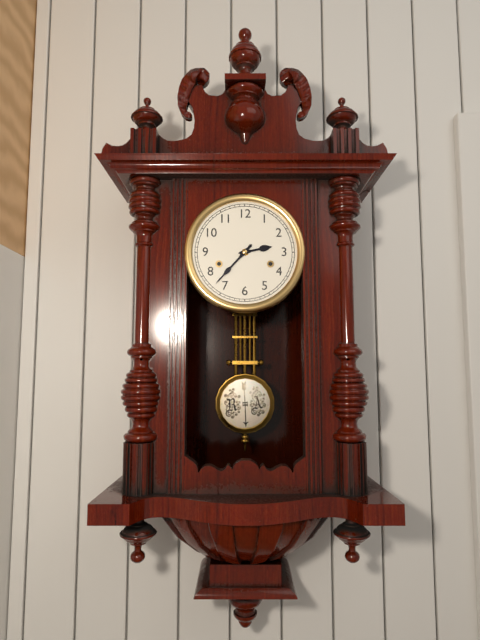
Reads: 2:37
